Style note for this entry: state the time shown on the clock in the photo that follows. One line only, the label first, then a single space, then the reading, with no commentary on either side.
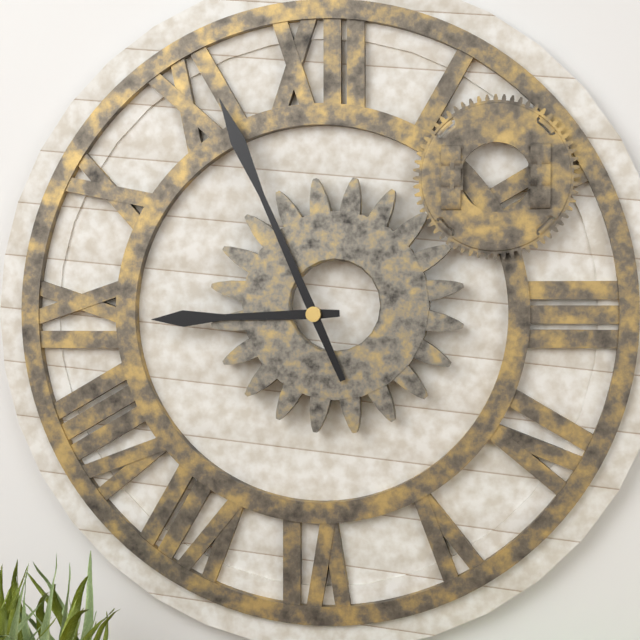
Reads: 8:56
